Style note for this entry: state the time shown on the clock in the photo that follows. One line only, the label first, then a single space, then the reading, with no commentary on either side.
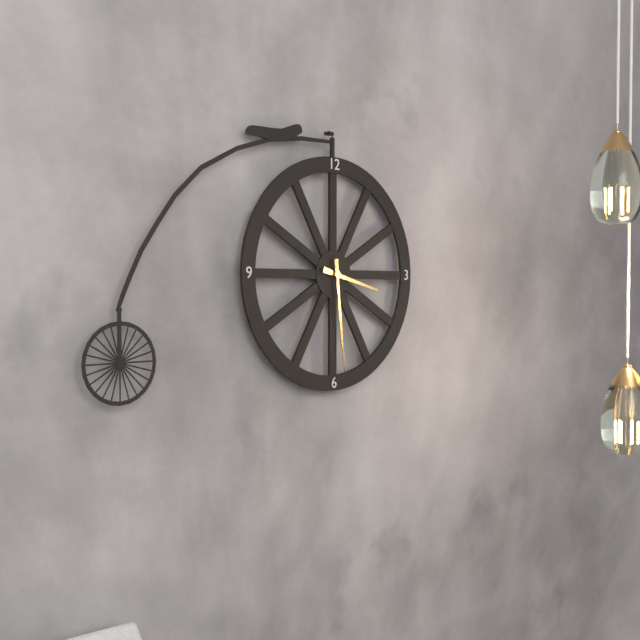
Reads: 3:29
